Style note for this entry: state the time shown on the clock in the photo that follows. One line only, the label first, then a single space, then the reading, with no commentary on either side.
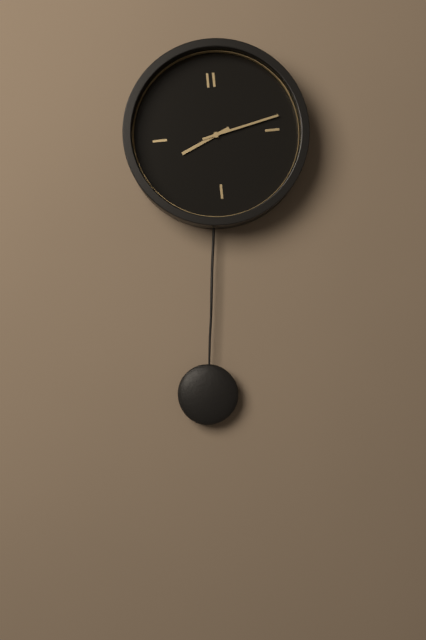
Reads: 8:13
